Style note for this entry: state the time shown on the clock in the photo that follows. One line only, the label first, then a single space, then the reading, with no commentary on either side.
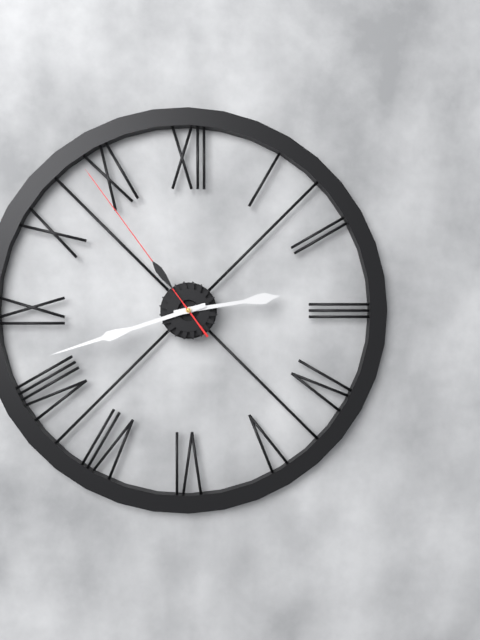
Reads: 2:42:54
